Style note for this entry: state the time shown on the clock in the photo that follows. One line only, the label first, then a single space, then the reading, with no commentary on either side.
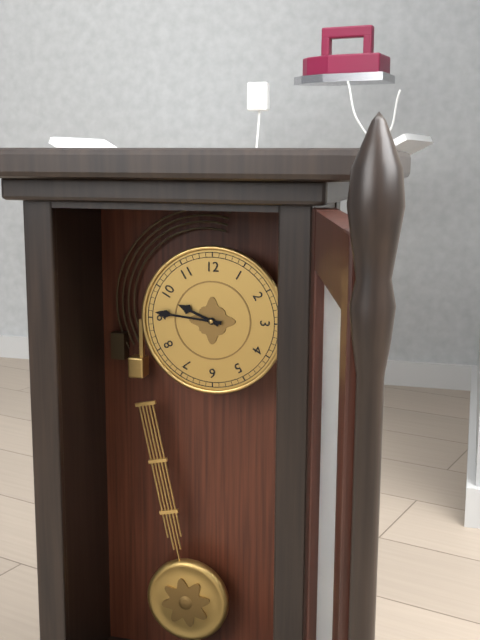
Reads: 9:46
